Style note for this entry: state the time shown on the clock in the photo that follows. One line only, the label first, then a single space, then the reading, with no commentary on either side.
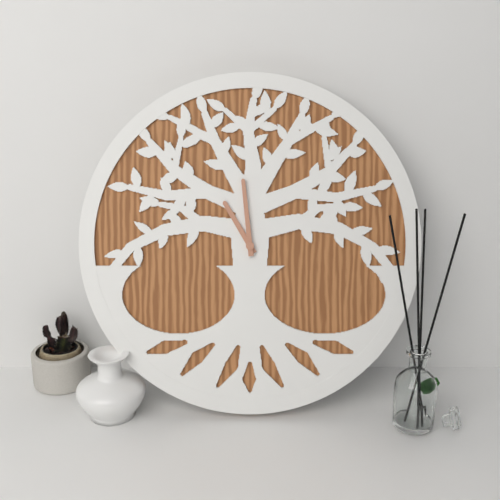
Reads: 10:59
